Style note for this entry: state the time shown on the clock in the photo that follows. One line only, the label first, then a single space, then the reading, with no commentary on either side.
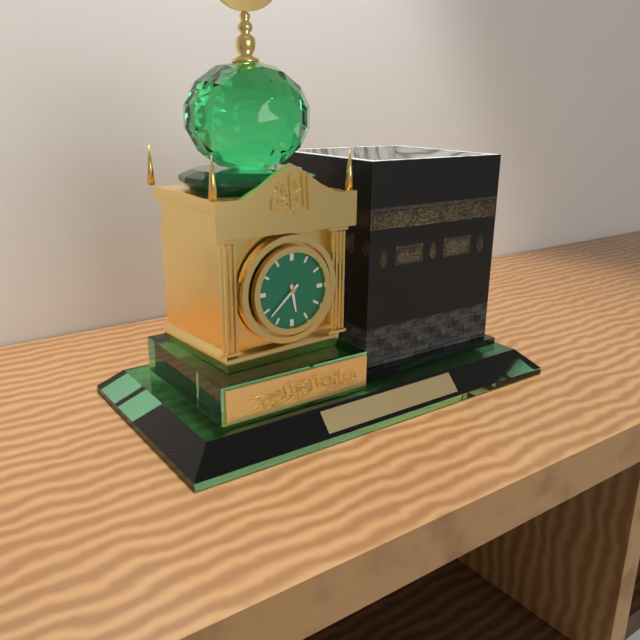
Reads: 5:38
